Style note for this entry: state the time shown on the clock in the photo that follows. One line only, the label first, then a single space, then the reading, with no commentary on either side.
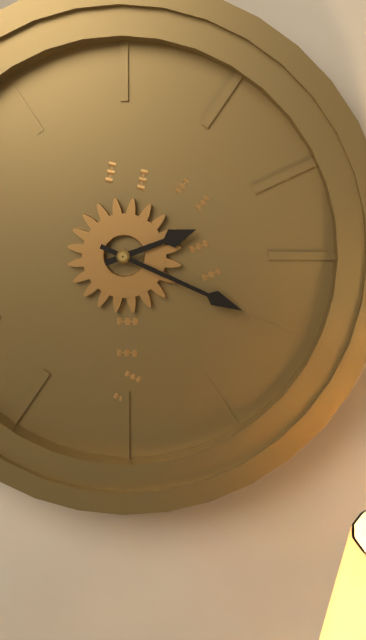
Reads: 2:19
